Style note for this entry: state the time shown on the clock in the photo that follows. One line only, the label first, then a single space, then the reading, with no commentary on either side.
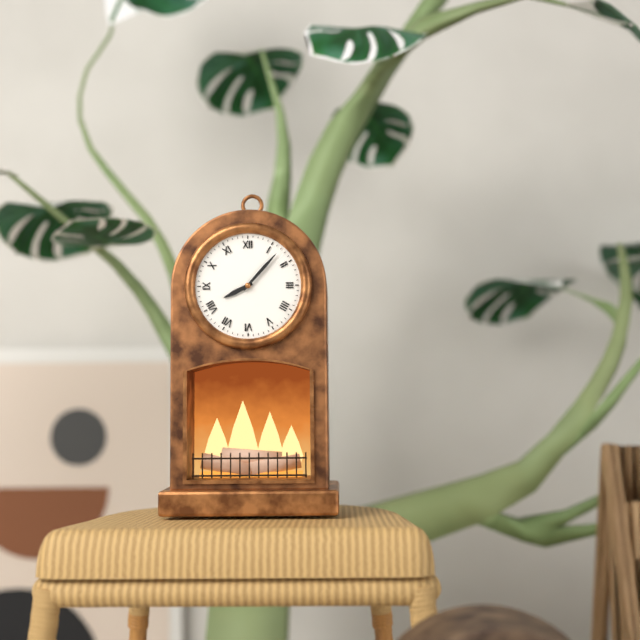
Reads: 8:07
